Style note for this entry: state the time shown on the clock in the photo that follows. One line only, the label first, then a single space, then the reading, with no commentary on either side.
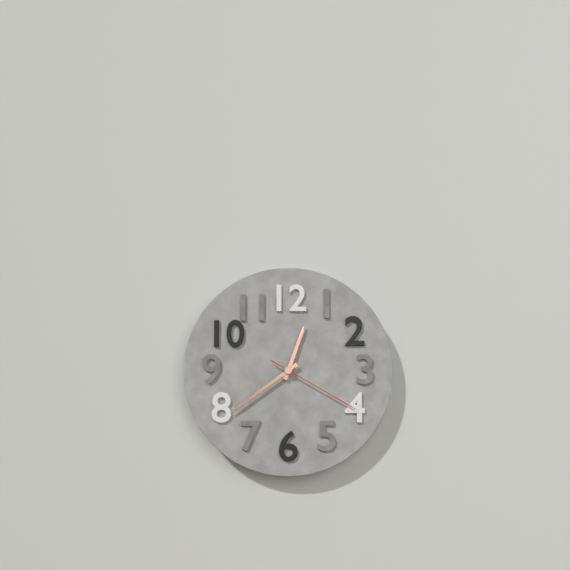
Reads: 12:39:20
